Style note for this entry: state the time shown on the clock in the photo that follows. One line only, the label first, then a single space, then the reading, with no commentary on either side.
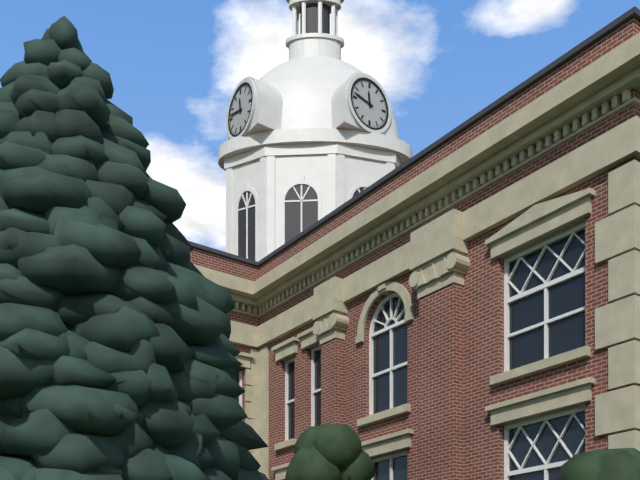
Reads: 11:47
